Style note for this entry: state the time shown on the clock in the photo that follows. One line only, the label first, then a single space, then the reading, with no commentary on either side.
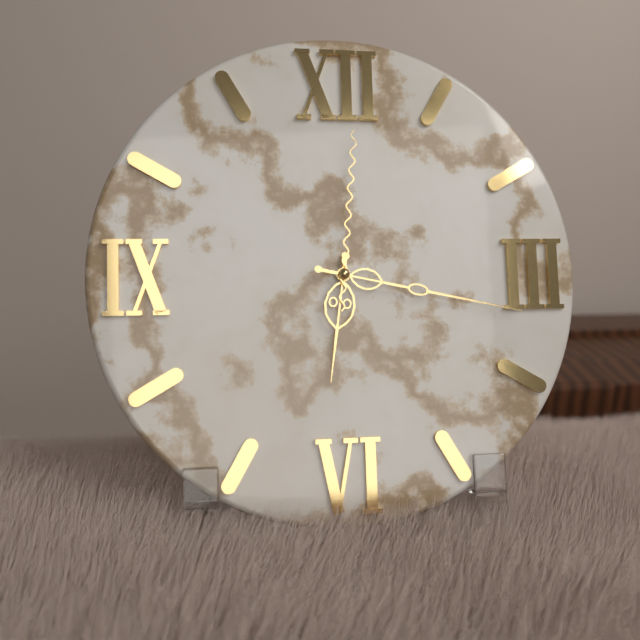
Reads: 6:17:01
